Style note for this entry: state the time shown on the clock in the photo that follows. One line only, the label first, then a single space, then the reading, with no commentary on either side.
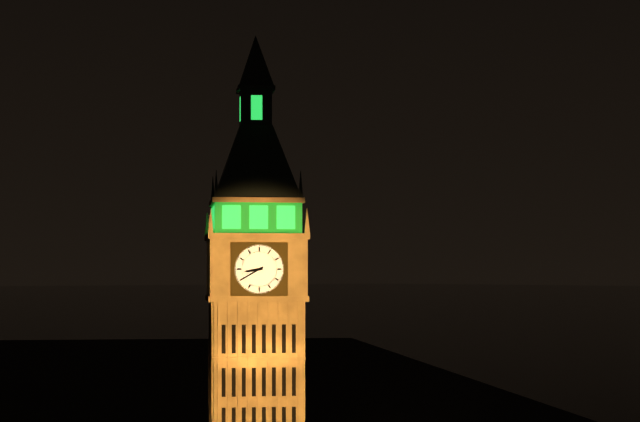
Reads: 8:40
